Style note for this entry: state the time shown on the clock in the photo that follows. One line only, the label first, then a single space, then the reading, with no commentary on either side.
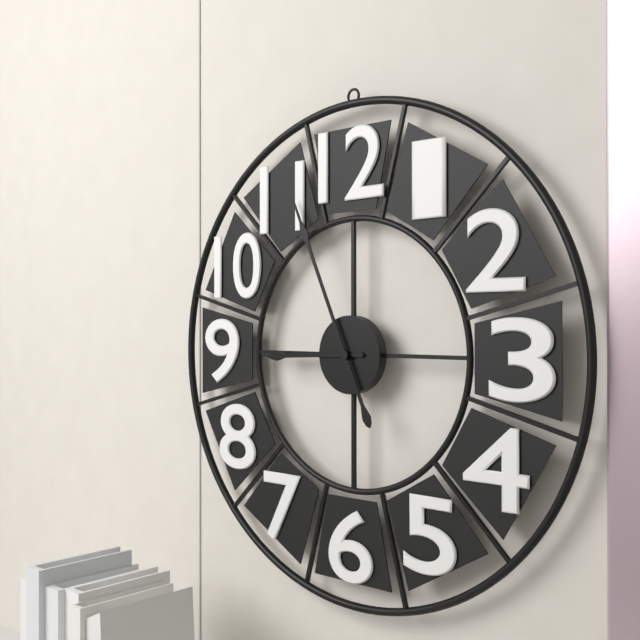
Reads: 8:56
